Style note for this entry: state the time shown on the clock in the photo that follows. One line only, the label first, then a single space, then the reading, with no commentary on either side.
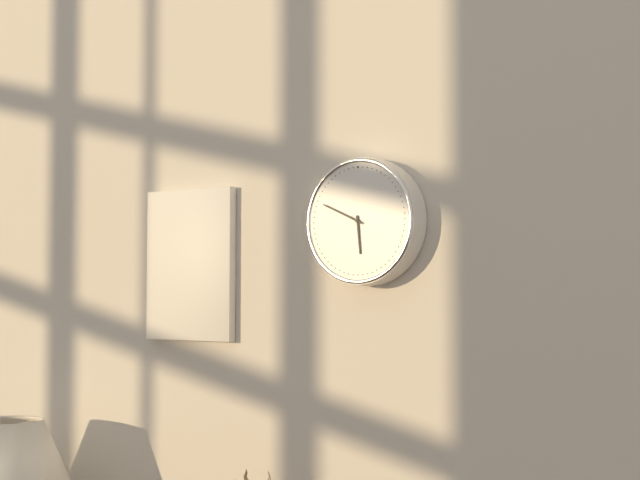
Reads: 5:49
